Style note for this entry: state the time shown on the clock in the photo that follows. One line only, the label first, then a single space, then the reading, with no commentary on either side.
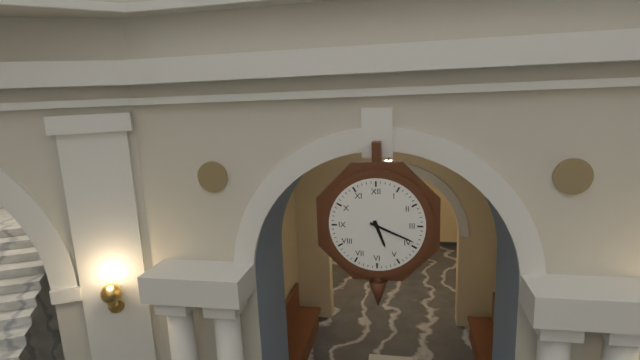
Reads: 5:19
